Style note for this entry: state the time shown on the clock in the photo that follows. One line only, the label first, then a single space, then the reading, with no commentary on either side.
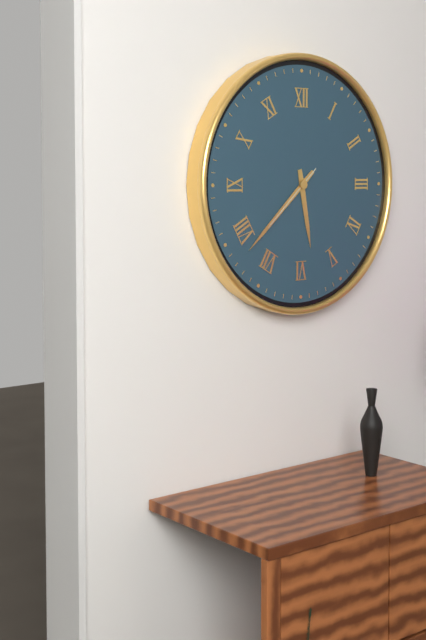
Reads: 5:38:38
